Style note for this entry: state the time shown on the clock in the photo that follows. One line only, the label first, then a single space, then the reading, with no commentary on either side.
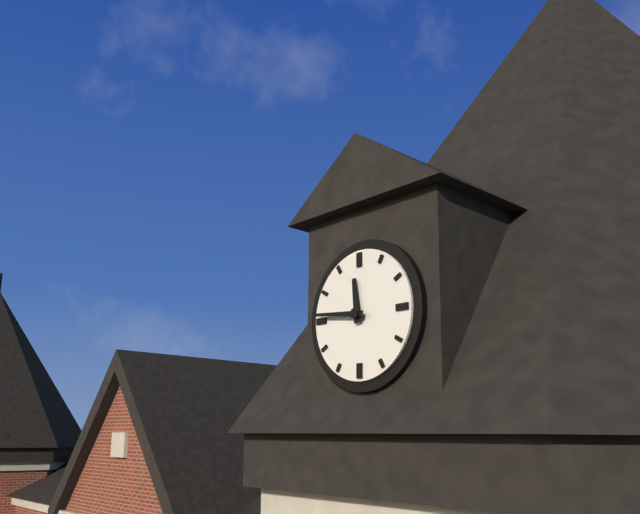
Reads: 11:46
